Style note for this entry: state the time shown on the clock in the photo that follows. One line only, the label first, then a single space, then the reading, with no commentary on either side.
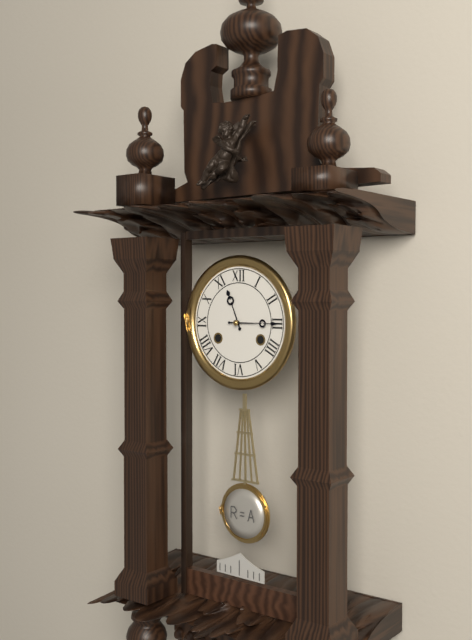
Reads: 11:15
